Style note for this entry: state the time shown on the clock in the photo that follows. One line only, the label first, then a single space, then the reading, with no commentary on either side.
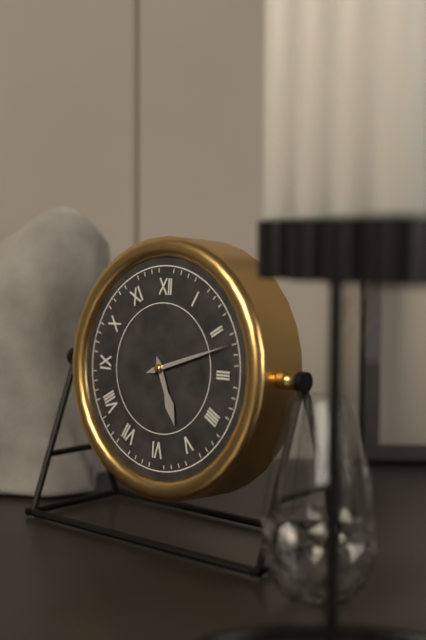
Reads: 5:12
